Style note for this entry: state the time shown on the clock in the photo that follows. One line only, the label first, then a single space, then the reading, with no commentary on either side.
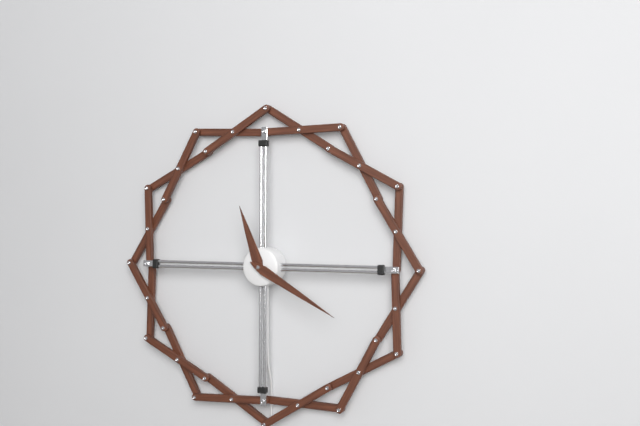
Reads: 11:20
